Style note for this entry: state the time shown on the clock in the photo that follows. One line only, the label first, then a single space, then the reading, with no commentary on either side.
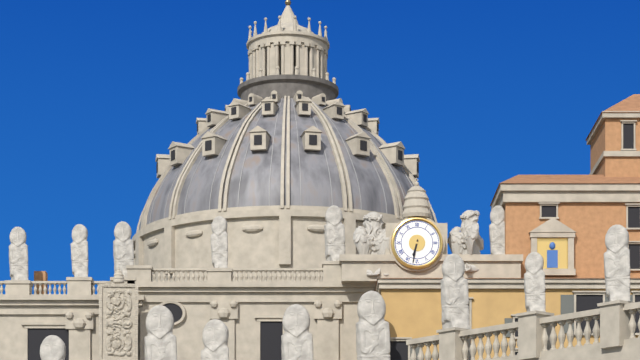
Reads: 6:32
